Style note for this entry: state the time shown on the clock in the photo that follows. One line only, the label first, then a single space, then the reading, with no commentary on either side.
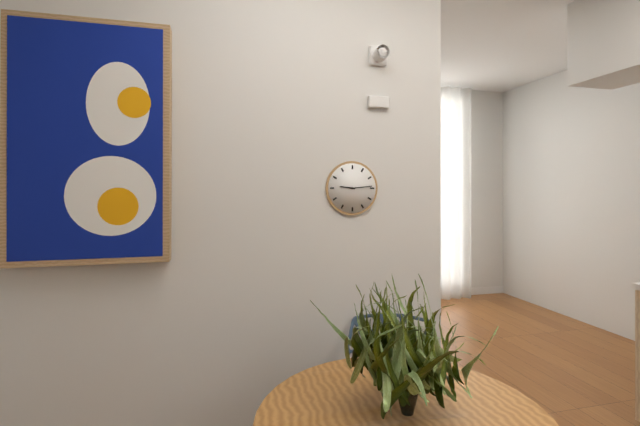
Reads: 9:14
